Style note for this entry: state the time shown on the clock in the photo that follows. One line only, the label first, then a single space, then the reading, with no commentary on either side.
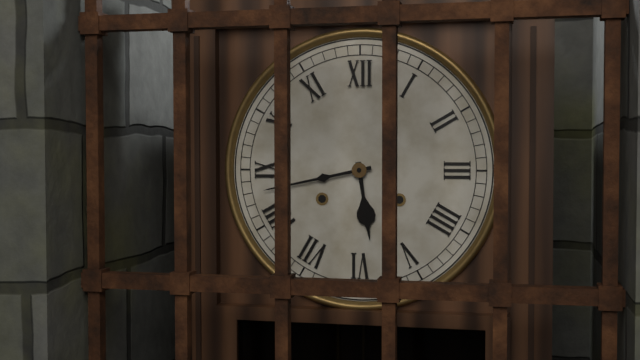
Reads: 5:43
